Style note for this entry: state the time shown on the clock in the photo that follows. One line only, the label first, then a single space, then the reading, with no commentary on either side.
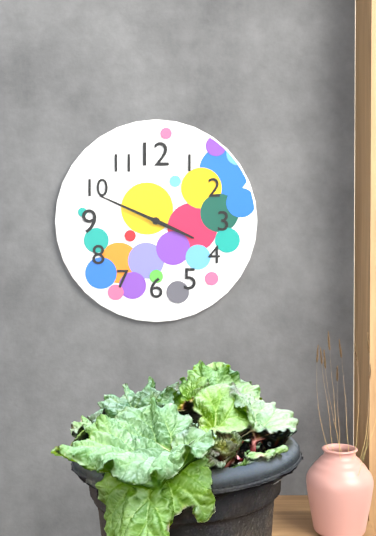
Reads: 3:49
